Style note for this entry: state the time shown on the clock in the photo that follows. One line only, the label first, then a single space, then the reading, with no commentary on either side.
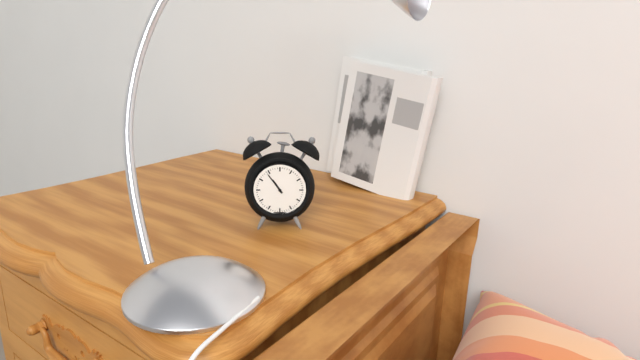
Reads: 10:54
